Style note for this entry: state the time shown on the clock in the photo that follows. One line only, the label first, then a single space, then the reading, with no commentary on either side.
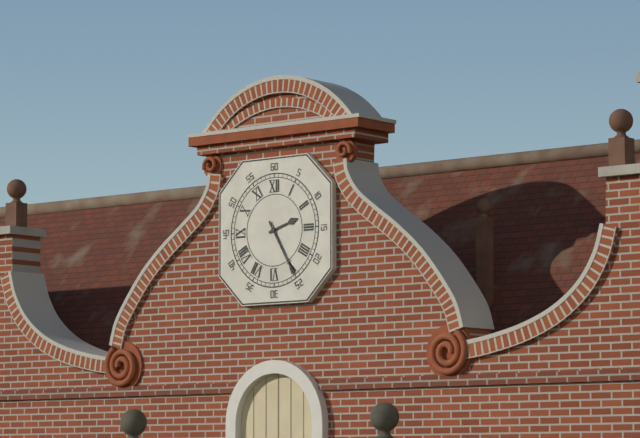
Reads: 2:25
